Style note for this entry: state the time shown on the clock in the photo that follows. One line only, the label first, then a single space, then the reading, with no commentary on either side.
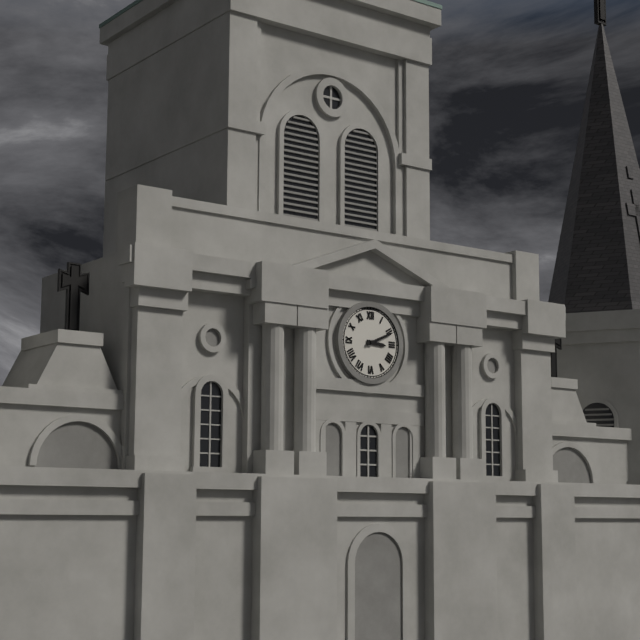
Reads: 3:11
